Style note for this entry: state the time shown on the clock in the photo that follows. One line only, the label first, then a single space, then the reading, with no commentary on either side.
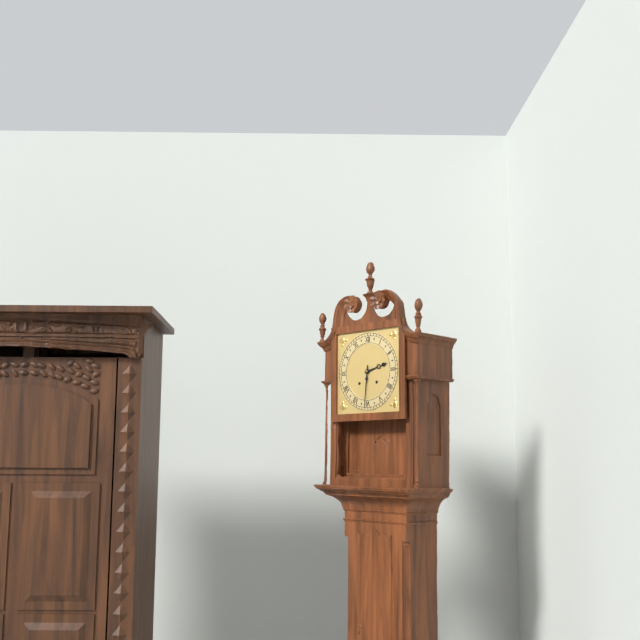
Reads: 2:31
